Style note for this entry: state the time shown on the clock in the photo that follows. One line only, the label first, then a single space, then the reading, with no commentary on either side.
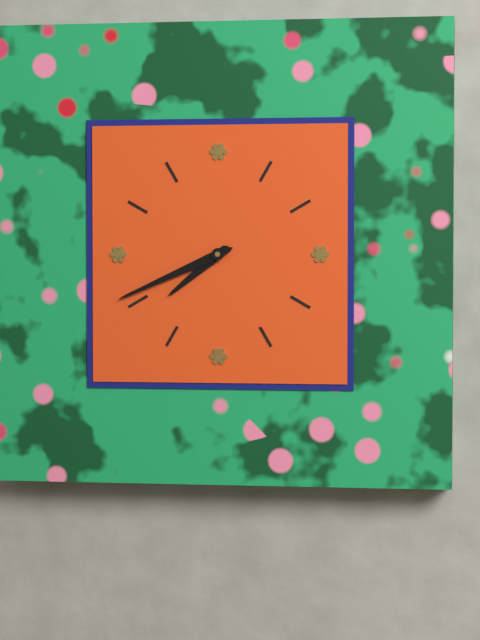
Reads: 7:41
